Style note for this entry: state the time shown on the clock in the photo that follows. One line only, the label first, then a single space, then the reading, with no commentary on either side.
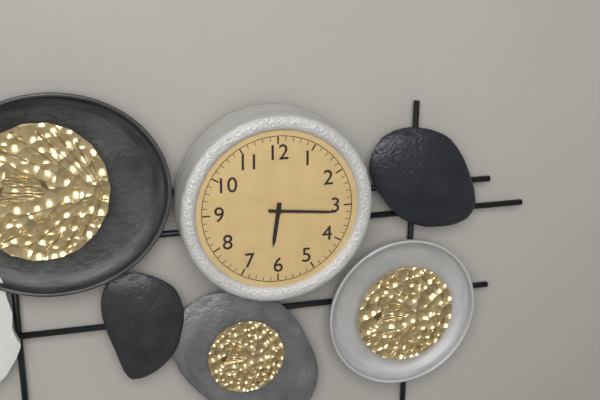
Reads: 6:16
